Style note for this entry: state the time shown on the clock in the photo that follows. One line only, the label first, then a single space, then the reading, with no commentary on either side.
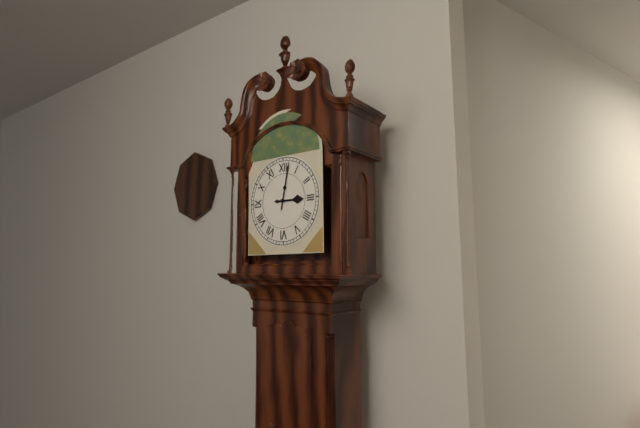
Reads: 3:02
